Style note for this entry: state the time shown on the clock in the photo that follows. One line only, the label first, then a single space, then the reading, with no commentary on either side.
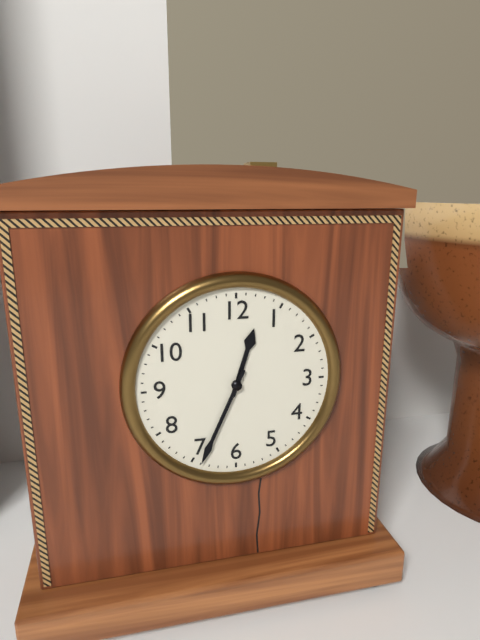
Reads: 12:34
